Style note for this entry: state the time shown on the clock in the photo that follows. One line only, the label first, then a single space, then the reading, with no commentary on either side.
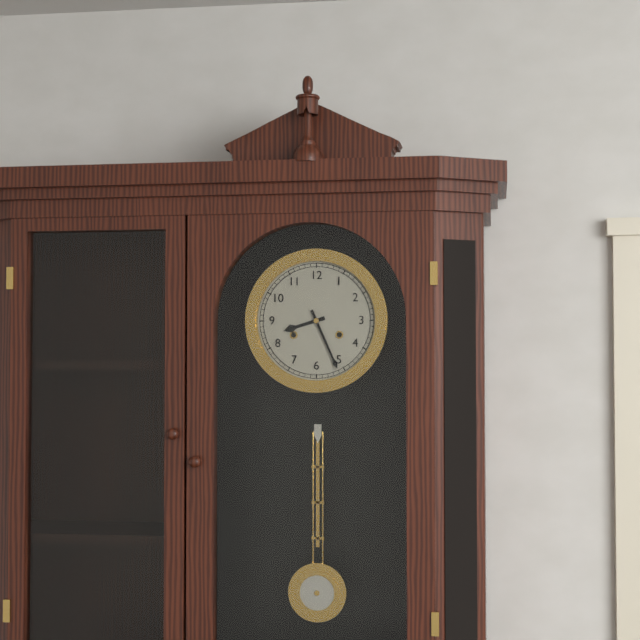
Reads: 8:26
